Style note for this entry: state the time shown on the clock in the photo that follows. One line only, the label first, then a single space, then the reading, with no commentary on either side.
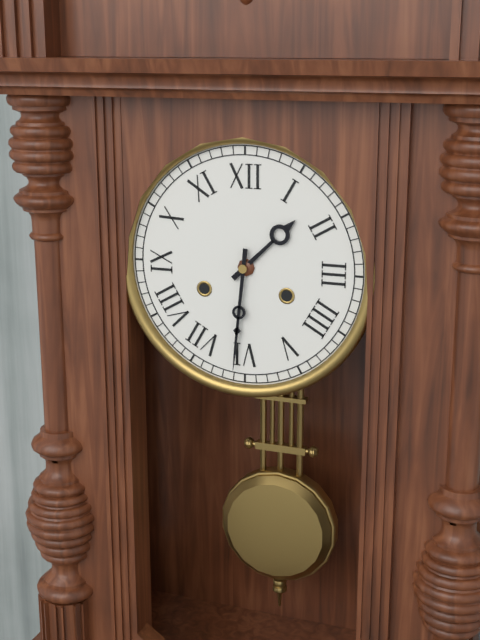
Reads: 1:31
